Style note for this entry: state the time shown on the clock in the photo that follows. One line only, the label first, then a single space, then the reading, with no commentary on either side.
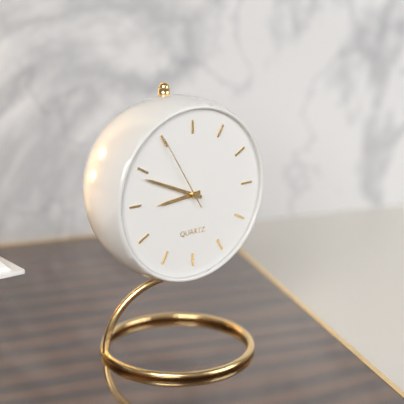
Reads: 8:49:55
